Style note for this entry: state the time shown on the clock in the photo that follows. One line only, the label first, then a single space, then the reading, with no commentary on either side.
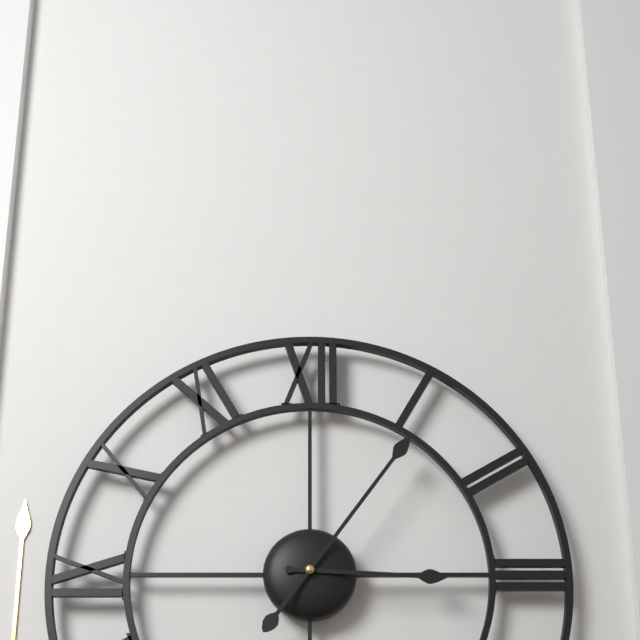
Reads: 3:06
